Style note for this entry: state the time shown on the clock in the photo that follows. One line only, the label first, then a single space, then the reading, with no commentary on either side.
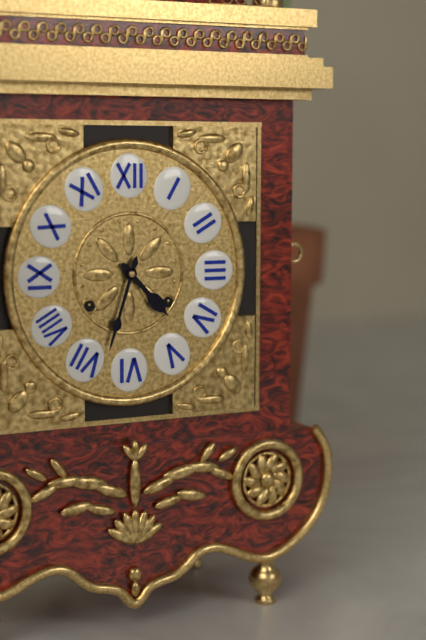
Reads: 4:33
